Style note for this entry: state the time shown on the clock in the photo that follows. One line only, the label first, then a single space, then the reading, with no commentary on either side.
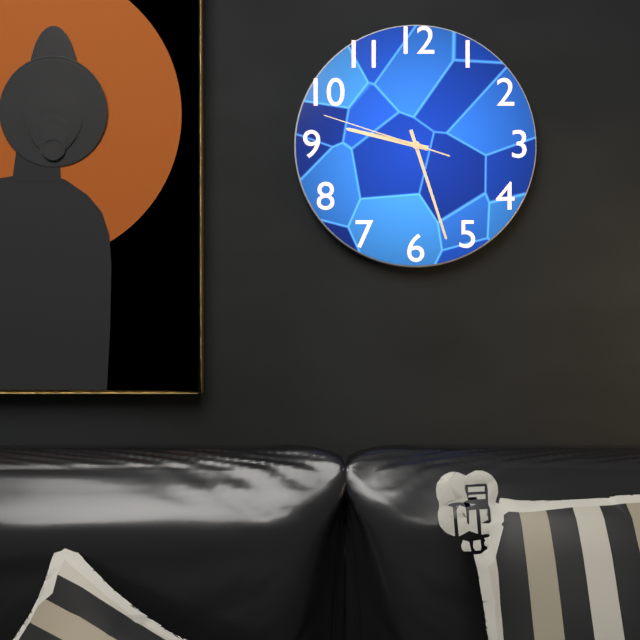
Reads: 9:27:48
